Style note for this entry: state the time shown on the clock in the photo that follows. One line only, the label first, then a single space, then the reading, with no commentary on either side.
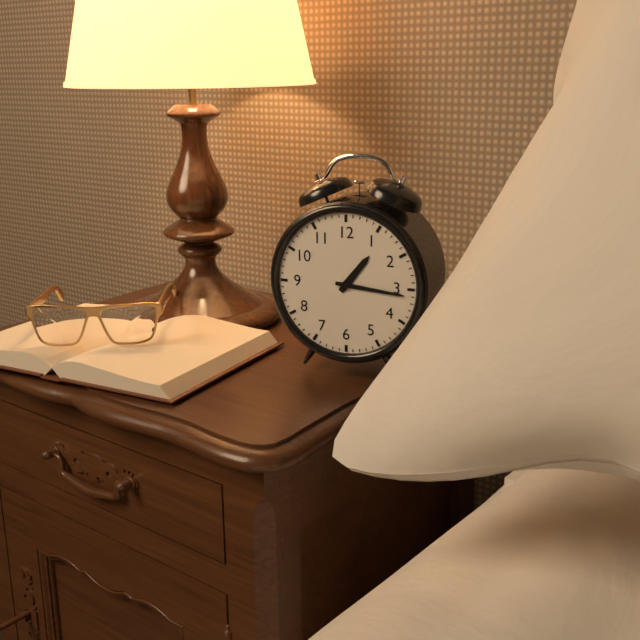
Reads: 1:16
